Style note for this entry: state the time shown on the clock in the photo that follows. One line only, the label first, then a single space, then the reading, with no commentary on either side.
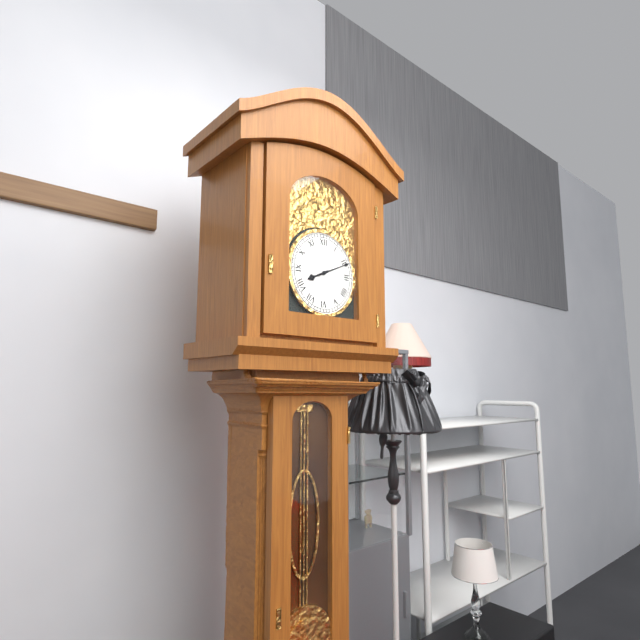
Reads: 8:11
